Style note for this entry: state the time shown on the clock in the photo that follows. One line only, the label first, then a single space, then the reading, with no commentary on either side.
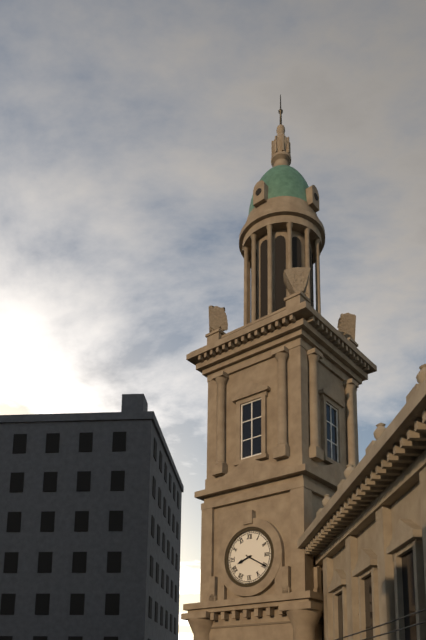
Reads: 8:20
